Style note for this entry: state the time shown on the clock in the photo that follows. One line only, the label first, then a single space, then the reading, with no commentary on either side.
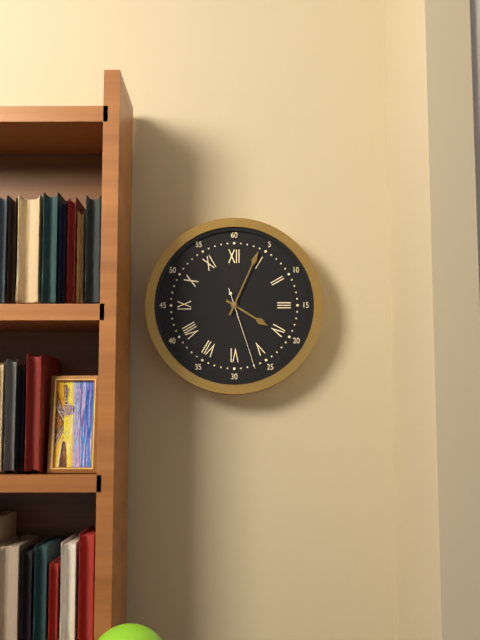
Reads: 4:04:27
